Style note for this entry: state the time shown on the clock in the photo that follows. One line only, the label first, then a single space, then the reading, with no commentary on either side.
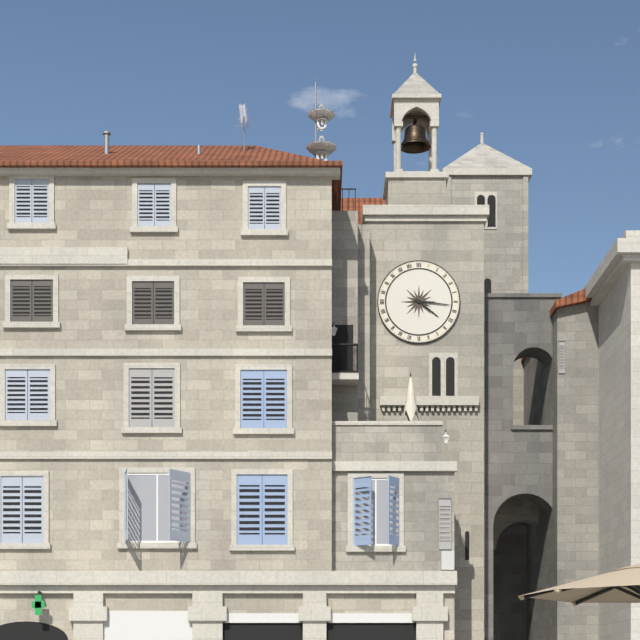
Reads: 4:16
